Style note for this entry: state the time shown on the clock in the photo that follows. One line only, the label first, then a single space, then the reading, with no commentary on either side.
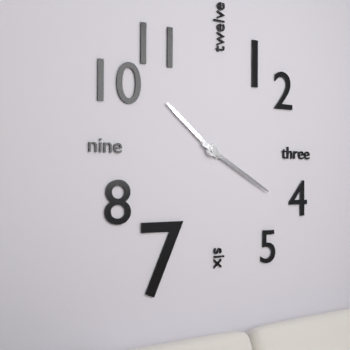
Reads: 10:20
